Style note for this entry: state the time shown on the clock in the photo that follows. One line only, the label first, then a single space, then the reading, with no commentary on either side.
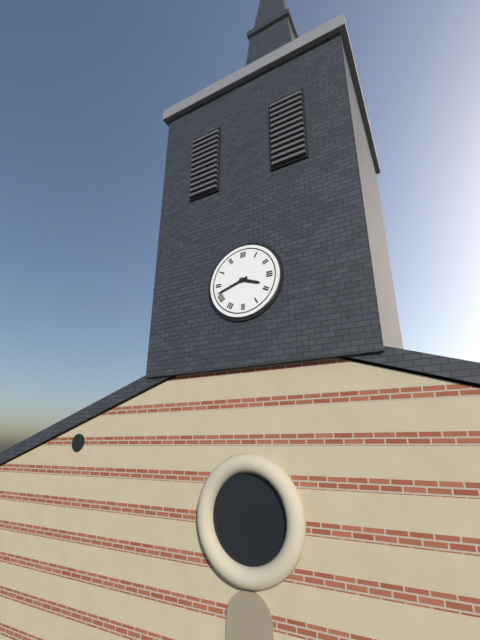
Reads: 3:42
